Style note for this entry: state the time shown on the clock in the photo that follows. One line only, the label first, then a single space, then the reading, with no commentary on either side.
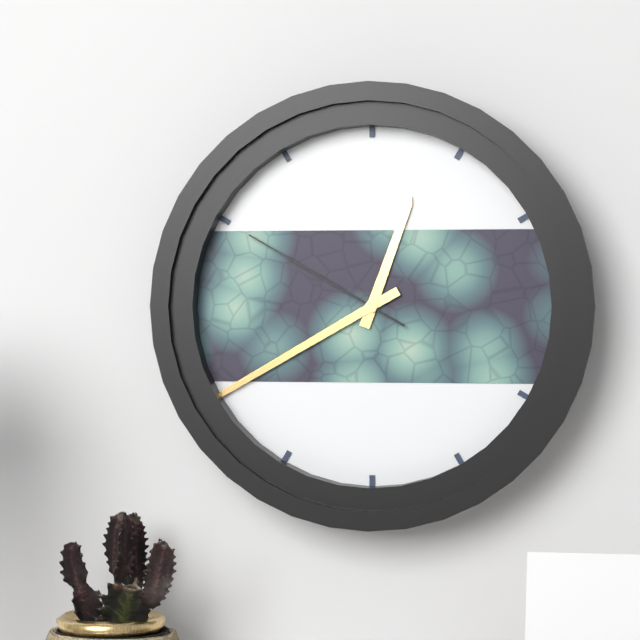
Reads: 12:40:50
